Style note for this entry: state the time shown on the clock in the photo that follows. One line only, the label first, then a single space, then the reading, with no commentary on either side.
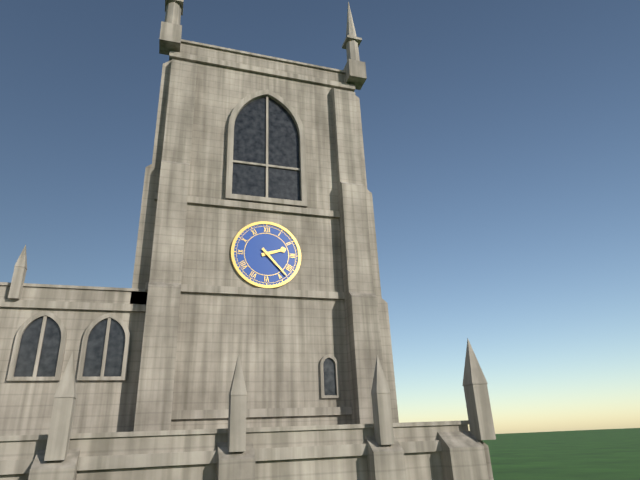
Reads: 2:23
